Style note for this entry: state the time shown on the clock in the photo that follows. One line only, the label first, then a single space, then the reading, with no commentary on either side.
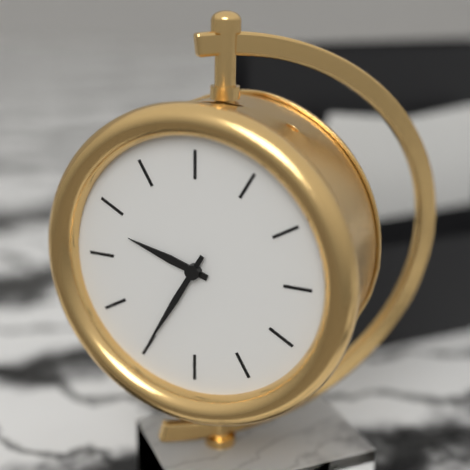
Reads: 9:35
